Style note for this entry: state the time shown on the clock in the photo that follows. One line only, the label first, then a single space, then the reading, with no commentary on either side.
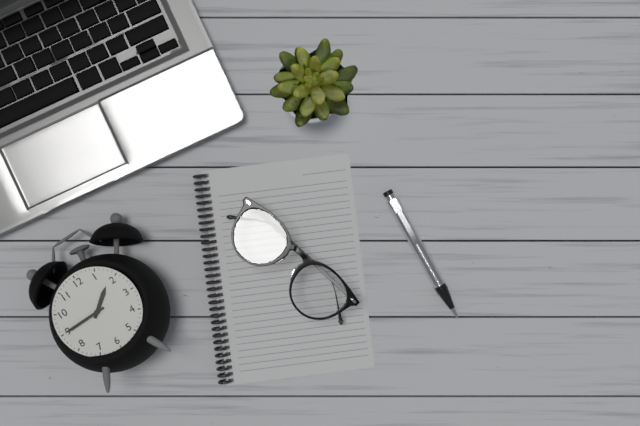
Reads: 1:45
